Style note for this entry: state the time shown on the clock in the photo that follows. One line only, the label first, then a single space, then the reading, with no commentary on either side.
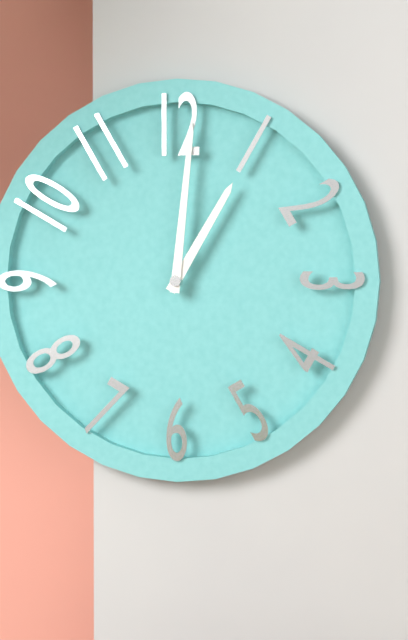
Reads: 1:01
